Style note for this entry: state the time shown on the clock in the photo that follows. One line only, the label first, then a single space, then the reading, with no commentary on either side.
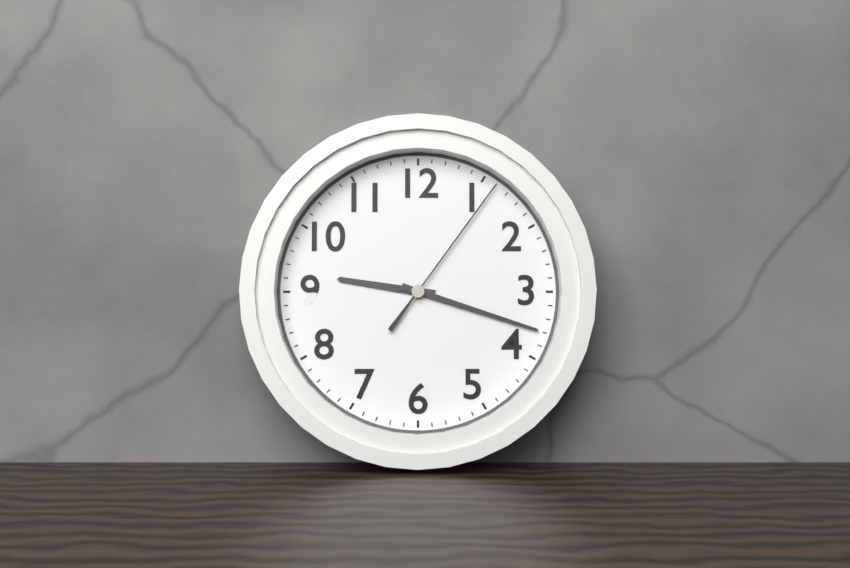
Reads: 9:18:06
